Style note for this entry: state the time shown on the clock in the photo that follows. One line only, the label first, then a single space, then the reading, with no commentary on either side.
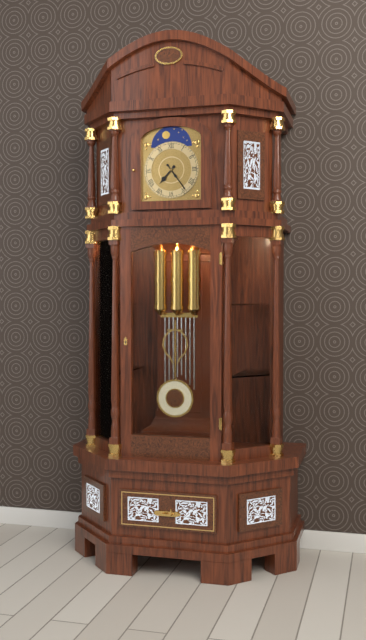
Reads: 7:24
